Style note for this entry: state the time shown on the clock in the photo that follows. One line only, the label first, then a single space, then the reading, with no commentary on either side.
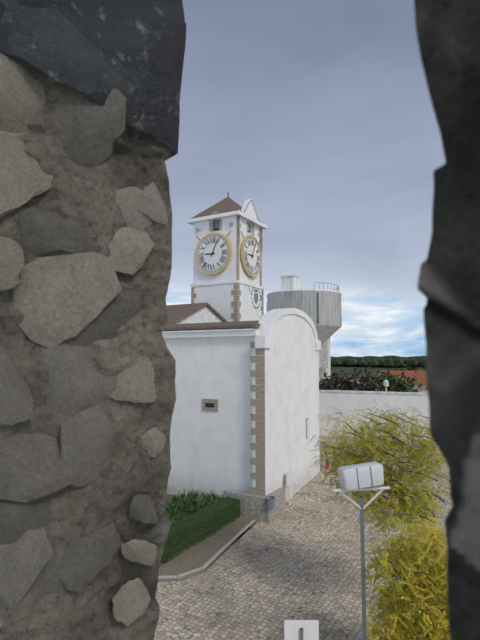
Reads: 9:04
